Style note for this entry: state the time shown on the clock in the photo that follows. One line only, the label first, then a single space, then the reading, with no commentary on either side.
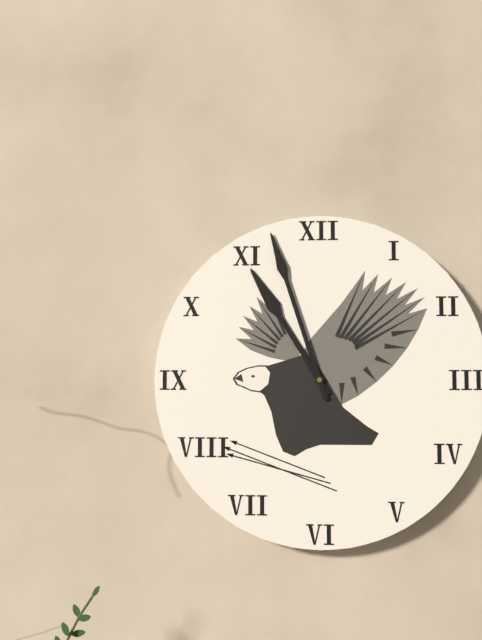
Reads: 10:57
